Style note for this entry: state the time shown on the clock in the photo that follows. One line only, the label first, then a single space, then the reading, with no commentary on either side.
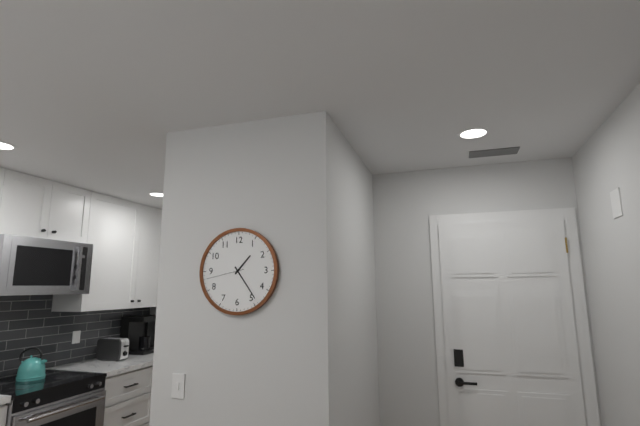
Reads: 1:24
